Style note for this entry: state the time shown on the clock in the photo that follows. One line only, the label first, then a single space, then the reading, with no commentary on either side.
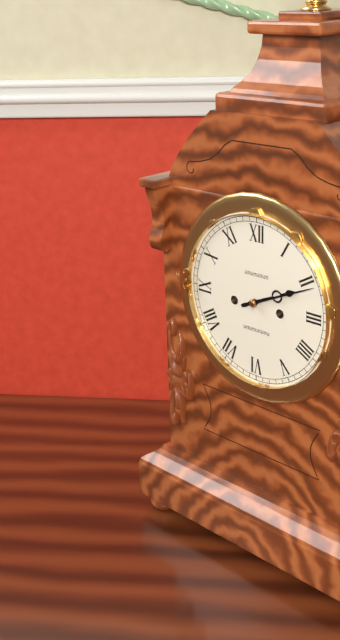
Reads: 2:11
